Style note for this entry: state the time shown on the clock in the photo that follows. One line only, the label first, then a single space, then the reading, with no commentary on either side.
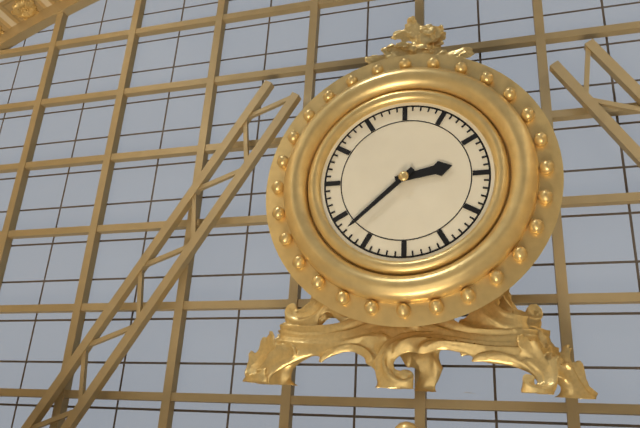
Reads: 2:38
